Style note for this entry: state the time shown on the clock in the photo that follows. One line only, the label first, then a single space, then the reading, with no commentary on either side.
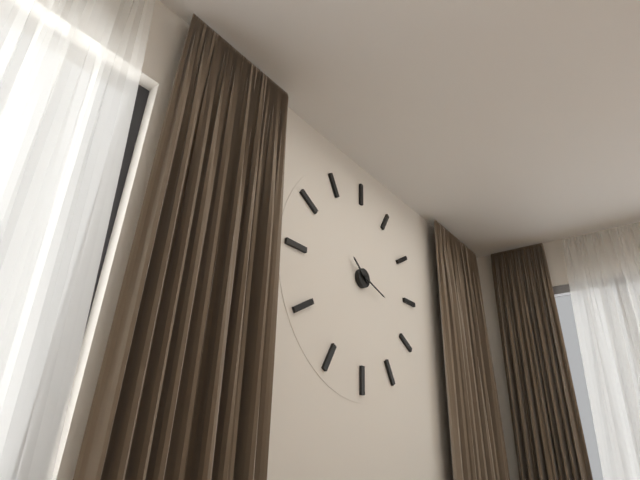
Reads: 10:18
